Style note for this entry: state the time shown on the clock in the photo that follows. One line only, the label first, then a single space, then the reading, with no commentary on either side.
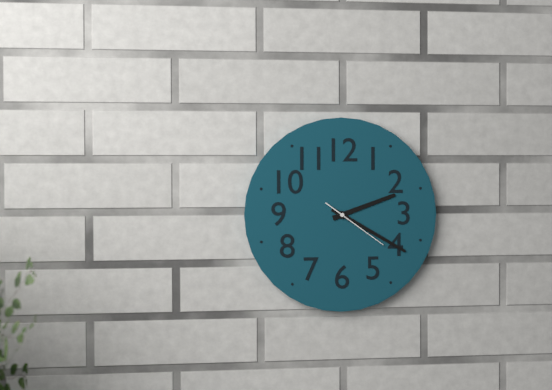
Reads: 2:20:21
